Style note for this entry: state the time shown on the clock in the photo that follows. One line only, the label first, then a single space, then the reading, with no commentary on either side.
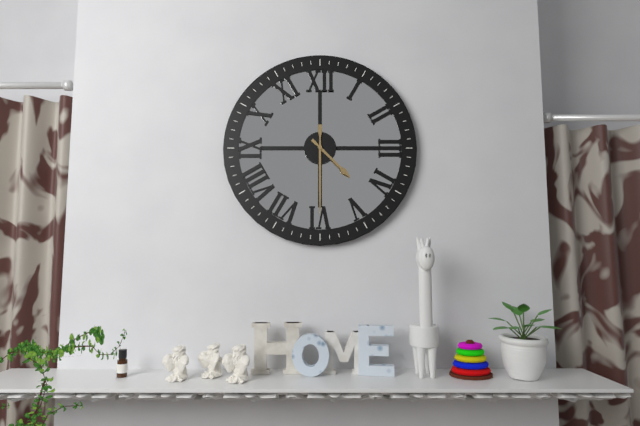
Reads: 4:30
